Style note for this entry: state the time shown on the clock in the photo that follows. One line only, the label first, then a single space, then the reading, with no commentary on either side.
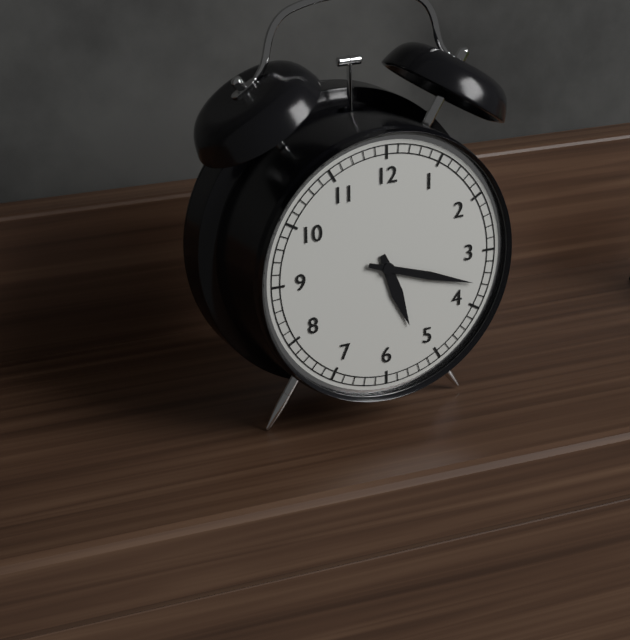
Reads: 5:18
